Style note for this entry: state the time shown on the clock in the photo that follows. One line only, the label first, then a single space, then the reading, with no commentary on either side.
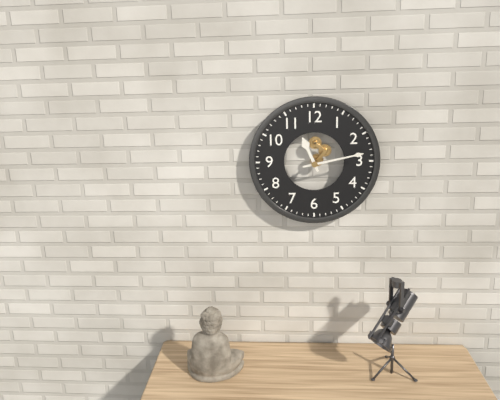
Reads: 11:13
